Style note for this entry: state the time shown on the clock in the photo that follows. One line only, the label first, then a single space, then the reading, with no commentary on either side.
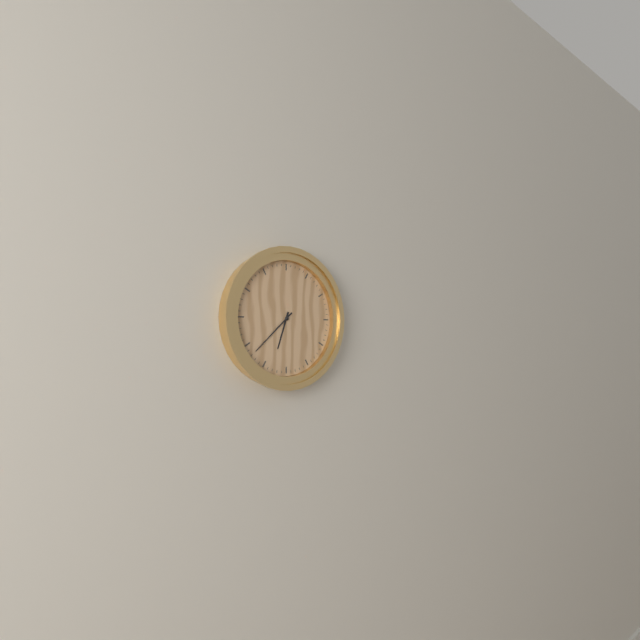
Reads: 6:38
